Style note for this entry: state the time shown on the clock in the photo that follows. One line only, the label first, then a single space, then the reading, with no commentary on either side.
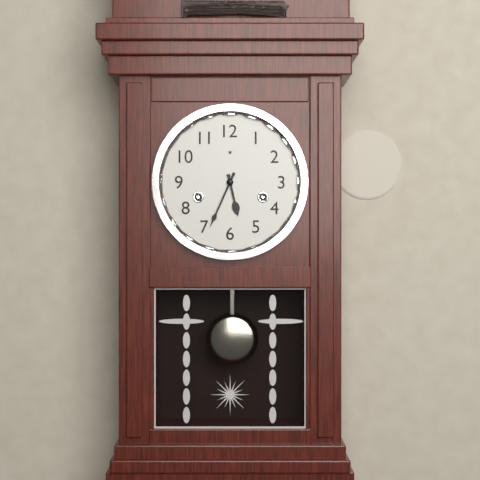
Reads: 5:34
